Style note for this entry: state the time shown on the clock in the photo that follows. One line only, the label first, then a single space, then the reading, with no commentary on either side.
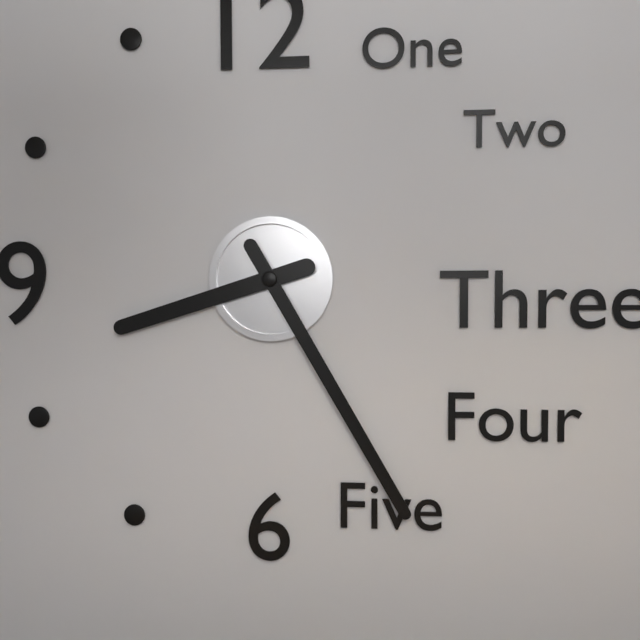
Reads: 8:25
